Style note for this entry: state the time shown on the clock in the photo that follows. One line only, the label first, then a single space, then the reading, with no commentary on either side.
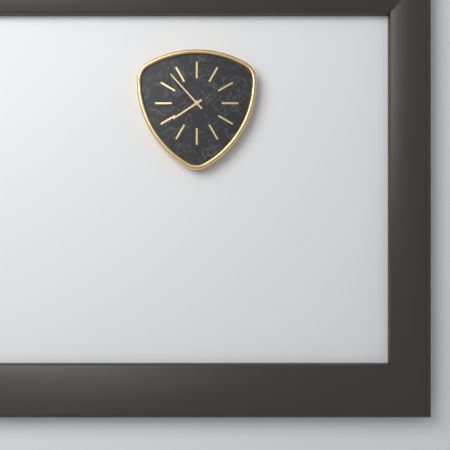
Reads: 7:53
